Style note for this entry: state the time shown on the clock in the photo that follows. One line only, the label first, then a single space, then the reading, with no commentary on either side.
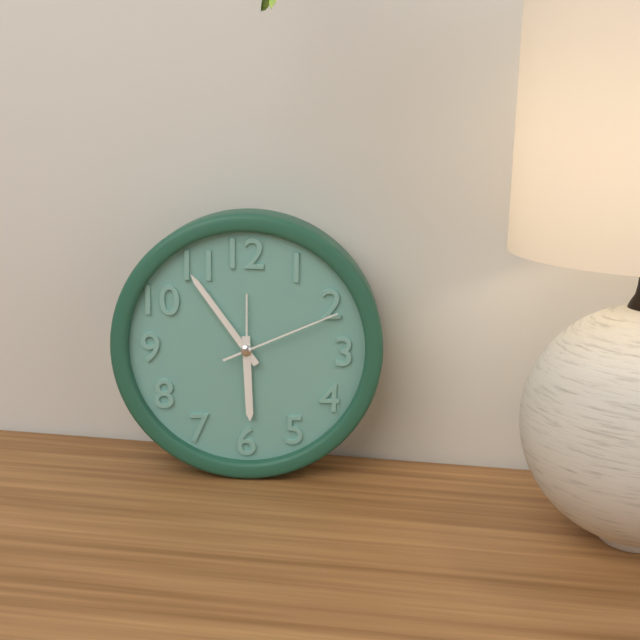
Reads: 5:54:11
